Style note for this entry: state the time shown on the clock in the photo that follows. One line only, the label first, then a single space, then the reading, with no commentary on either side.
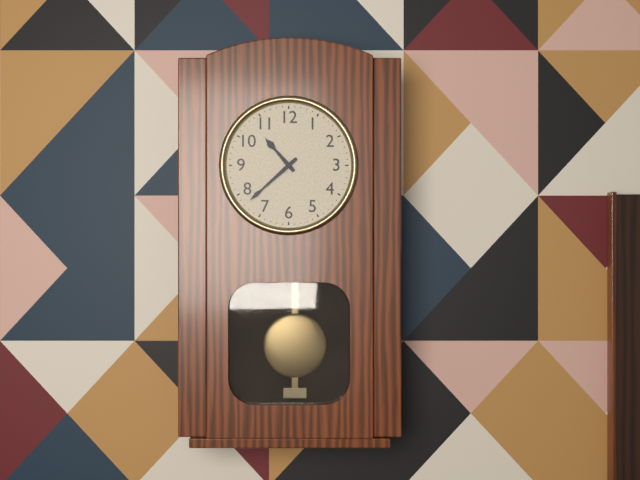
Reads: 10:38
